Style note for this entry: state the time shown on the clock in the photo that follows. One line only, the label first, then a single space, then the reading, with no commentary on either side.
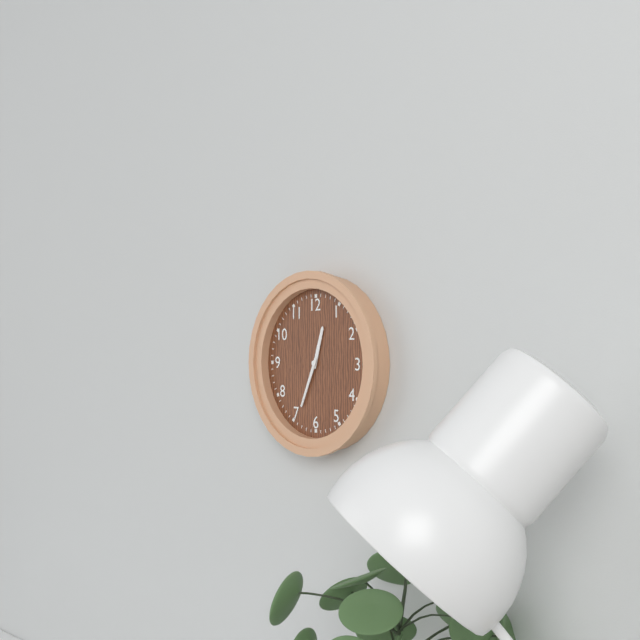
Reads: 12:34
